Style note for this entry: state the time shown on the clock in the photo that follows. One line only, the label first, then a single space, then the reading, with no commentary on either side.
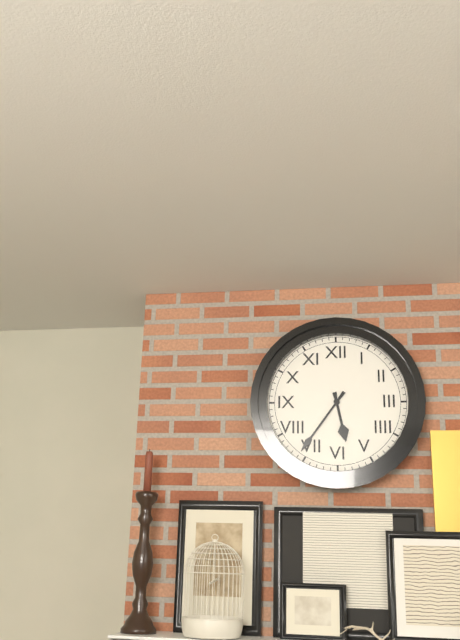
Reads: 5:36
